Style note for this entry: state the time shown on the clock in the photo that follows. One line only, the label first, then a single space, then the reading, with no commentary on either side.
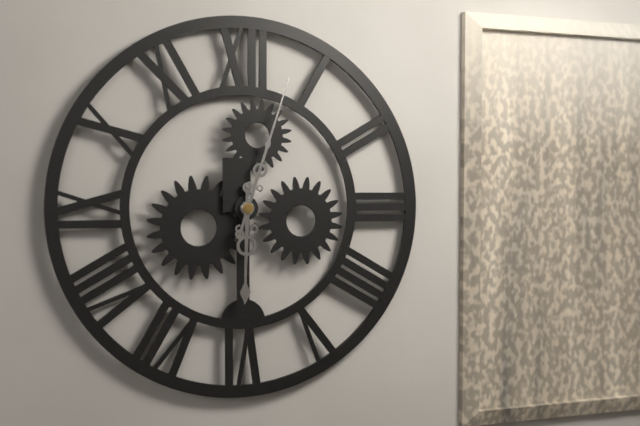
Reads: 6:03
